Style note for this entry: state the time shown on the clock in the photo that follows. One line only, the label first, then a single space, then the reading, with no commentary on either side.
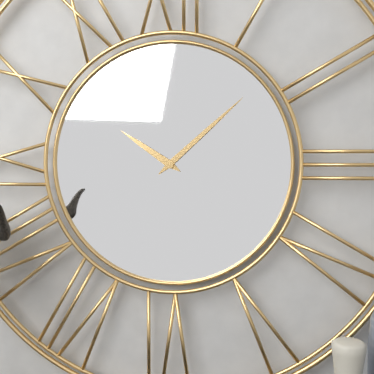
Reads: 10:08
